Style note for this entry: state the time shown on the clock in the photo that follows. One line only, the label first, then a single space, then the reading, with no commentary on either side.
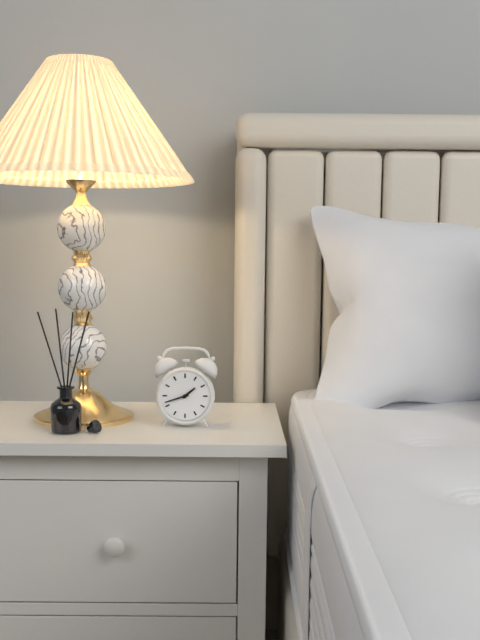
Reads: 1:42
